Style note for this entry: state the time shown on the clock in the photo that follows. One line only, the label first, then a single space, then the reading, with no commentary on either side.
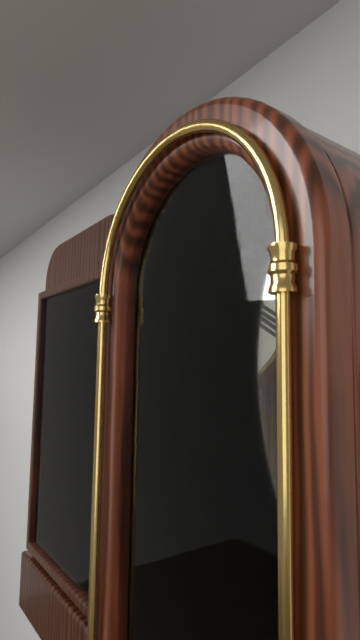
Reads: 6:20
